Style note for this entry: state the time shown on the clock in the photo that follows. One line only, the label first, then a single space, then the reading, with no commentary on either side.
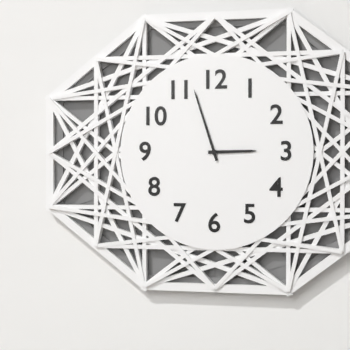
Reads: 2:57
